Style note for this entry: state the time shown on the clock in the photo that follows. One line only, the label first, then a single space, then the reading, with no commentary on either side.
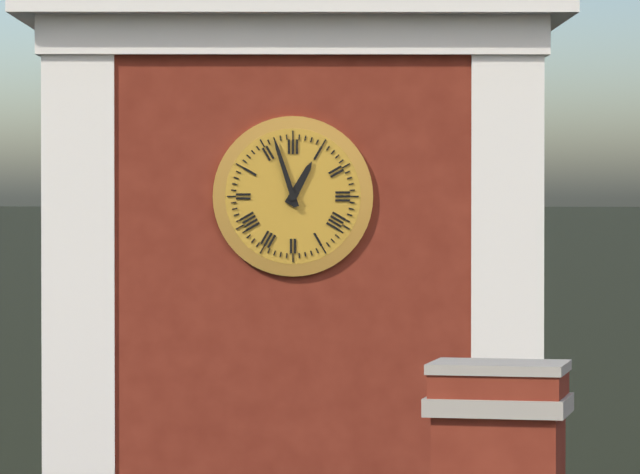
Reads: 12:57
